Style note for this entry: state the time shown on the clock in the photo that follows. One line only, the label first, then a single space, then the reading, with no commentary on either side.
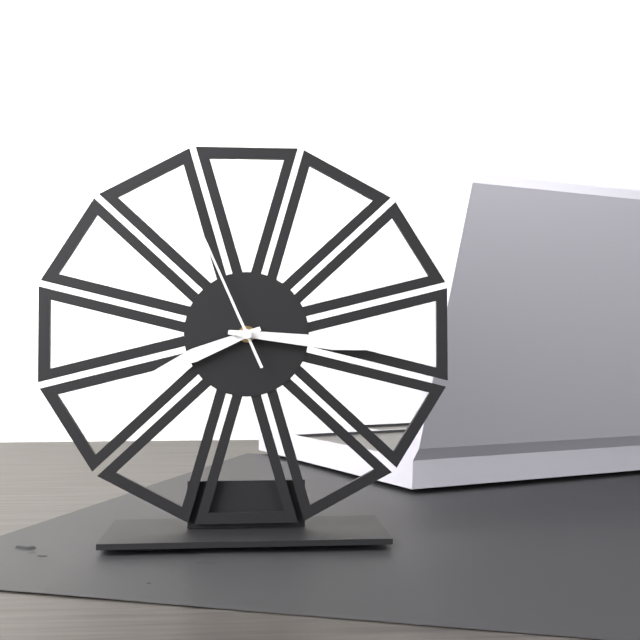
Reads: 8:16:56
